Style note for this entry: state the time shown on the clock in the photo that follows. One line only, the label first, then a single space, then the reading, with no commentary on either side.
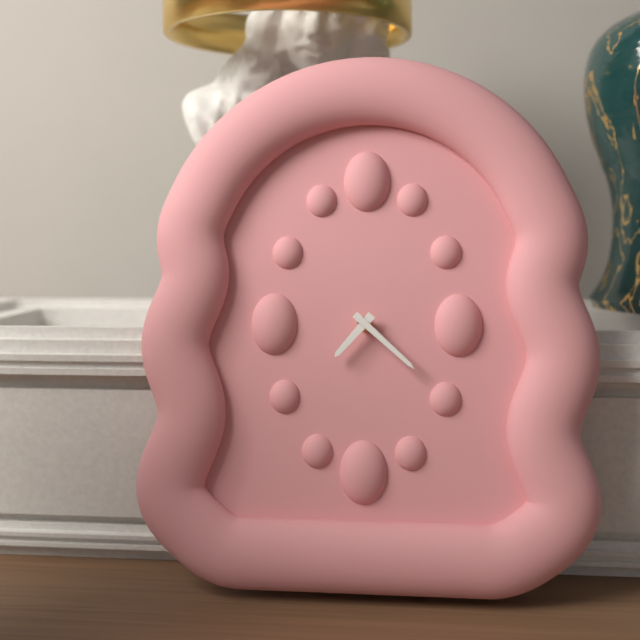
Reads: 7:22
